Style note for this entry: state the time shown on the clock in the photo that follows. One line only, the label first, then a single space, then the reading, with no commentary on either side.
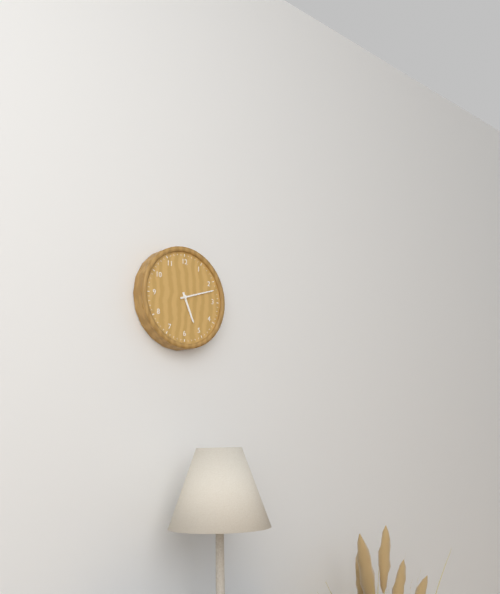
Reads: 5:12
